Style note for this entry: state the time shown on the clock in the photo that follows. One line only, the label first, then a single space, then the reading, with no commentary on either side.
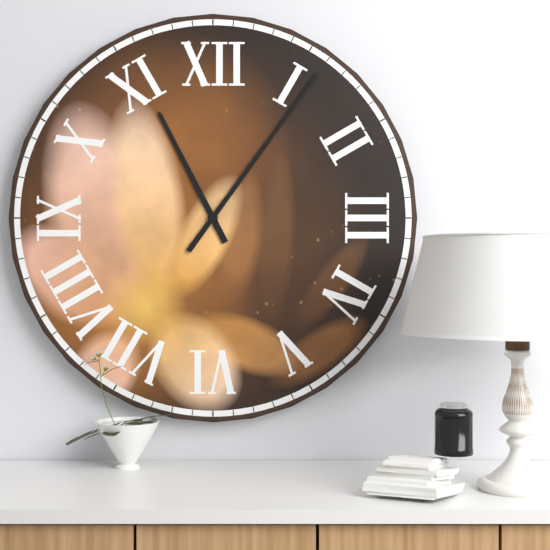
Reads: 11:06
